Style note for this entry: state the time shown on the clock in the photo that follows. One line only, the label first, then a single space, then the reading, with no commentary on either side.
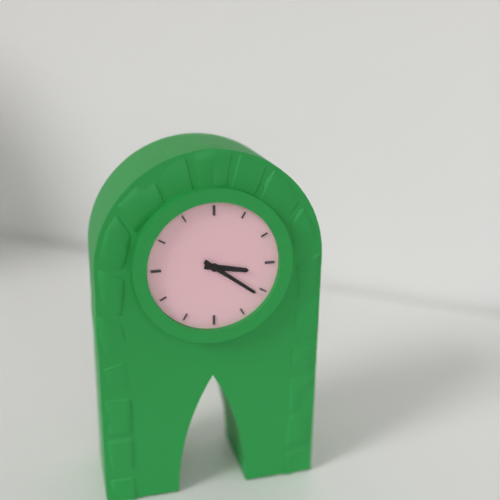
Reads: 3:21
